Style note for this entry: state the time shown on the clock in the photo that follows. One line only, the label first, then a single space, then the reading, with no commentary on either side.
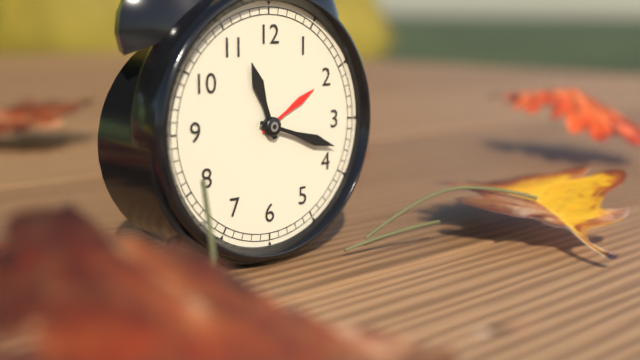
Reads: 11:18
